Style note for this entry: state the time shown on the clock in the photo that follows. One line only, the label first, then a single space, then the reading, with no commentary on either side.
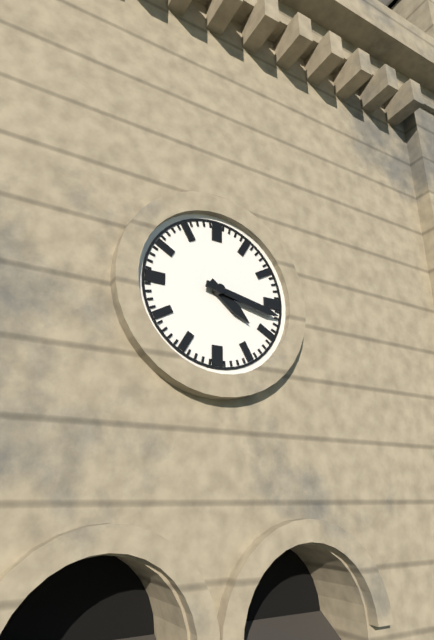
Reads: 4:17
